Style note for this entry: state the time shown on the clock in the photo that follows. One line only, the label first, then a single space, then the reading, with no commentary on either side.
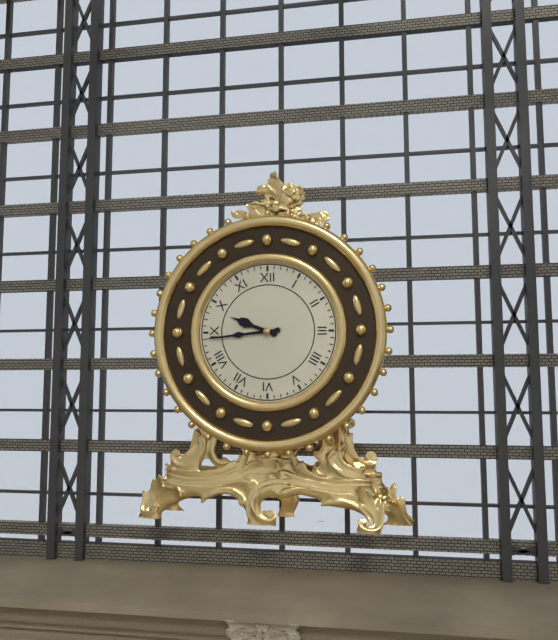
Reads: 9:44
